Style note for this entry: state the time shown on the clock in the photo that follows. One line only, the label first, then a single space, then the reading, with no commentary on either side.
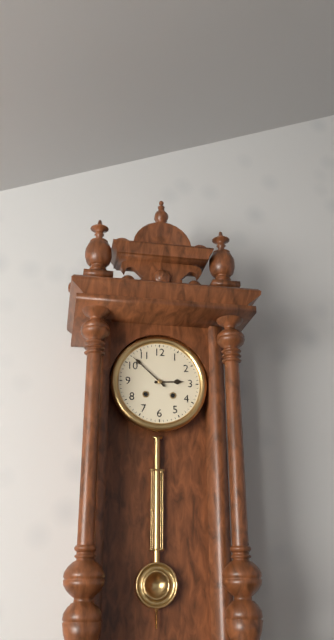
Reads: 2:52
